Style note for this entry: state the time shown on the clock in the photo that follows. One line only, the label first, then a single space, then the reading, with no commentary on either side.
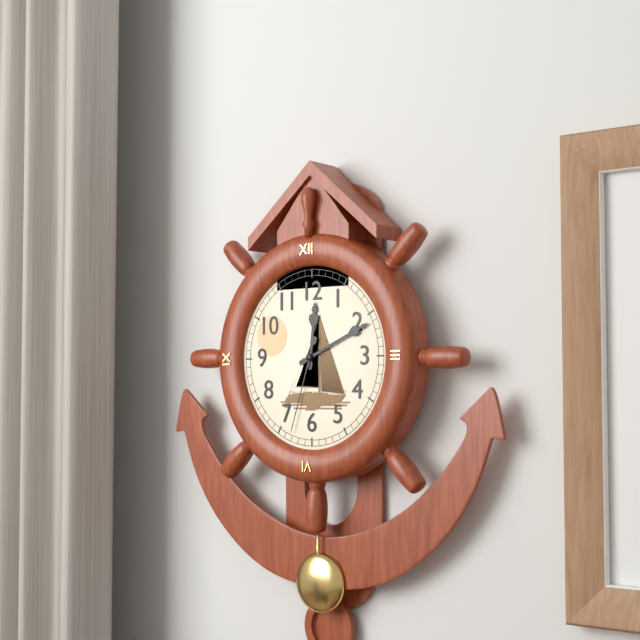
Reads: 12:11:33
